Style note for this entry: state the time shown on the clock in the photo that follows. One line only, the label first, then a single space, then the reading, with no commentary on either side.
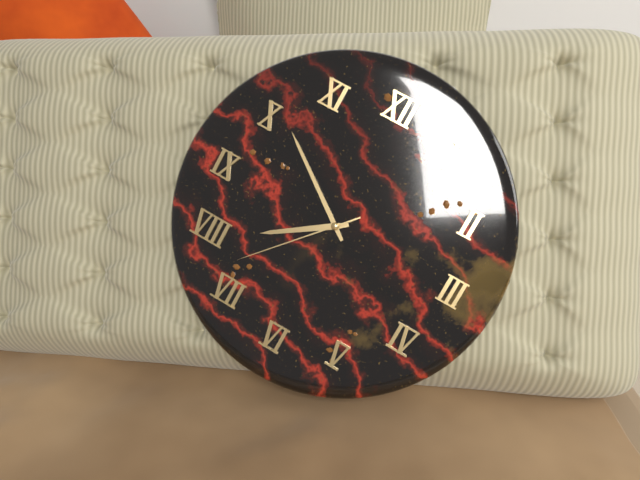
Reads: 7:51:37
